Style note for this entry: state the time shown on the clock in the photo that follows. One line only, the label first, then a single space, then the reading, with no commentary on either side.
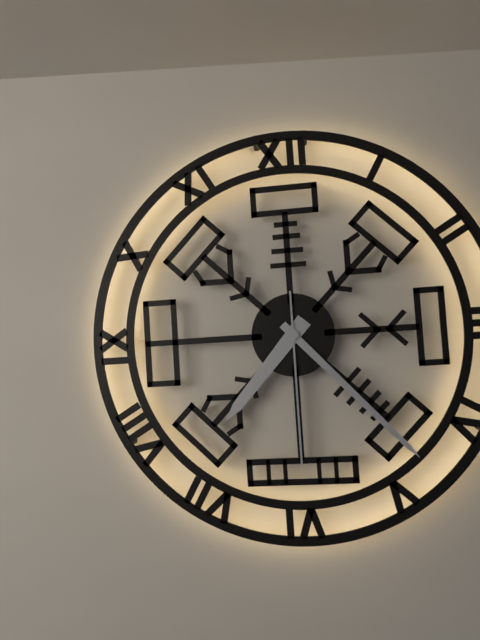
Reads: 7:23:30
